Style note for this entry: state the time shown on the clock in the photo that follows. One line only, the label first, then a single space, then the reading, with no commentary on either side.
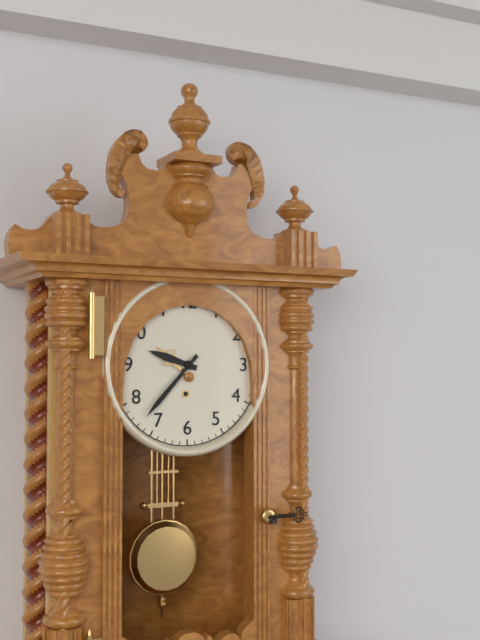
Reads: 9:37
